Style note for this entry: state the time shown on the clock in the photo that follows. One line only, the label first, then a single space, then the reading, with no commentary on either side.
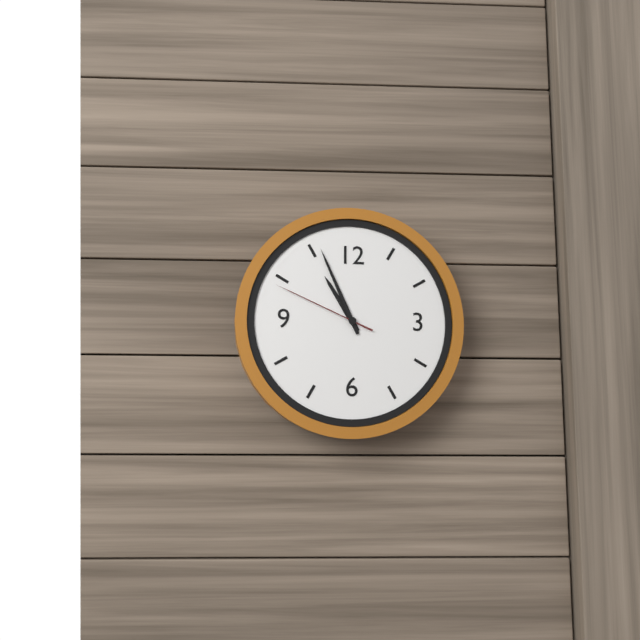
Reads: 10:56:49
